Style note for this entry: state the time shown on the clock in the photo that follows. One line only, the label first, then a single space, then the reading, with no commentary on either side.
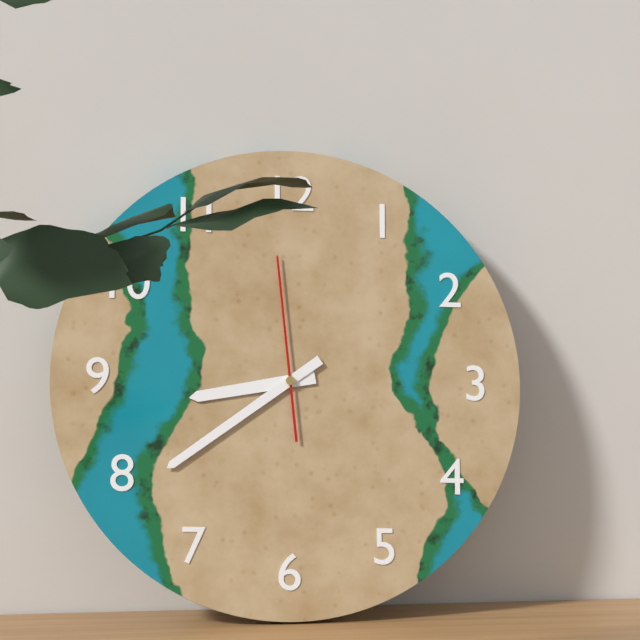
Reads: 8:39:59
